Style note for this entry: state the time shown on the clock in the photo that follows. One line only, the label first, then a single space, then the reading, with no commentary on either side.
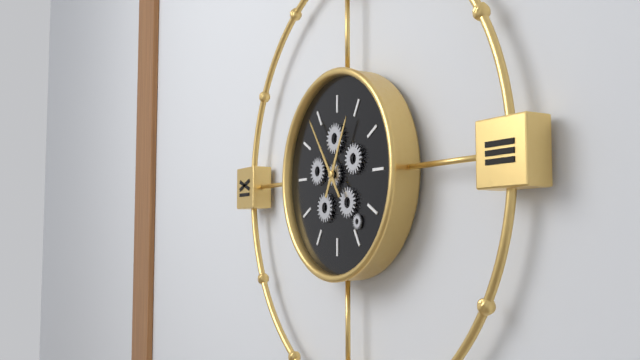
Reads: 12:54
